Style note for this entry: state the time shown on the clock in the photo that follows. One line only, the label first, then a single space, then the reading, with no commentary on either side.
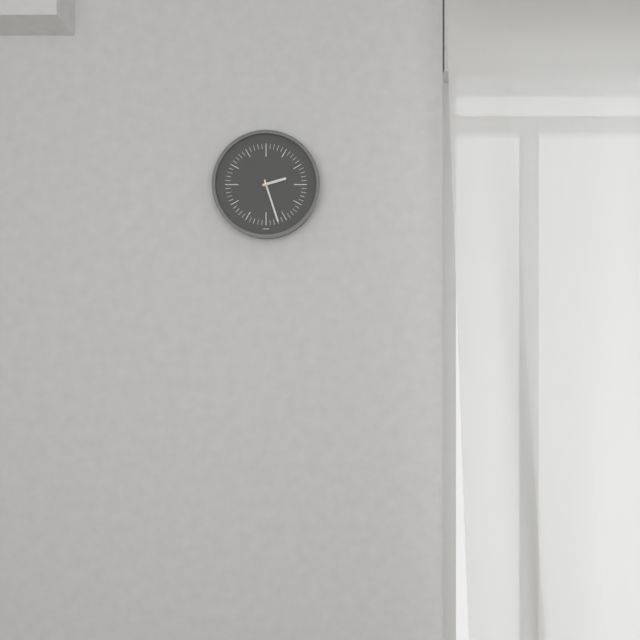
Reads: 2:27
